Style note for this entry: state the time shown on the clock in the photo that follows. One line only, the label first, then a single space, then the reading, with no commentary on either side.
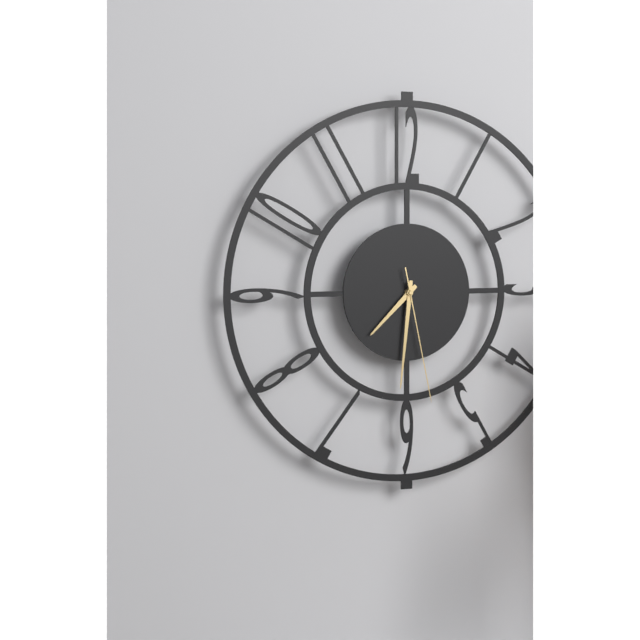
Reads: 7:31:28
